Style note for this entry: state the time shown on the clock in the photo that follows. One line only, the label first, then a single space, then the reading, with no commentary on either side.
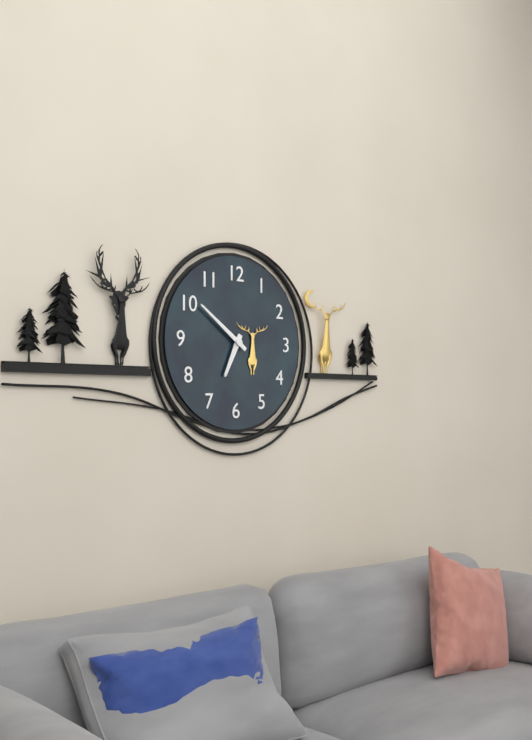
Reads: 6:51
